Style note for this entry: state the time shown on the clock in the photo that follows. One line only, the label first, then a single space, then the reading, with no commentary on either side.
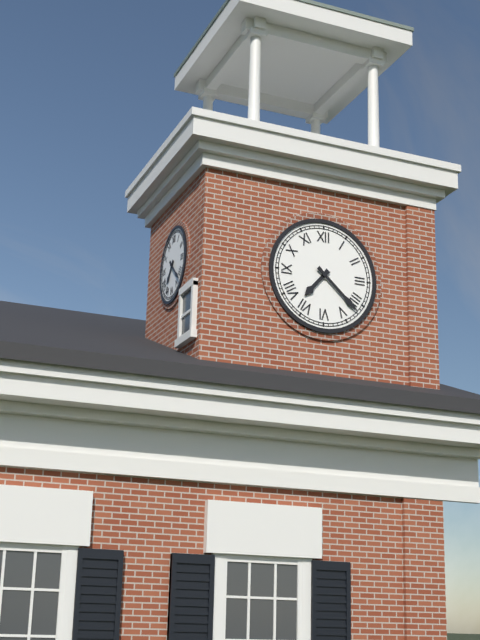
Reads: 7:22
